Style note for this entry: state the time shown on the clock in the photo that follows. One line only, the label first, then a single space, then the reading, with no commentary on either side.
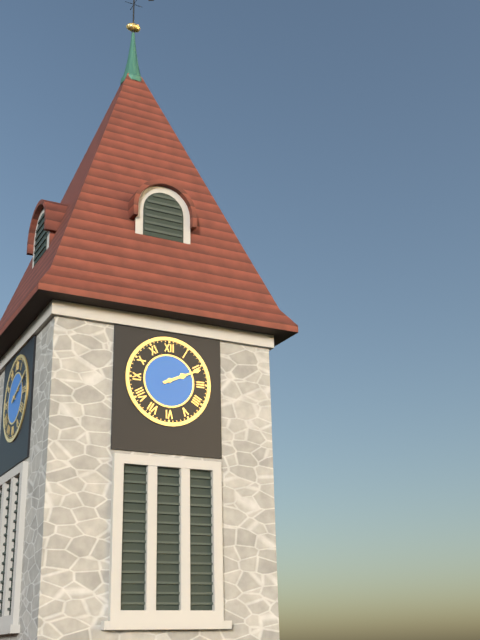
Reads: 2:11
